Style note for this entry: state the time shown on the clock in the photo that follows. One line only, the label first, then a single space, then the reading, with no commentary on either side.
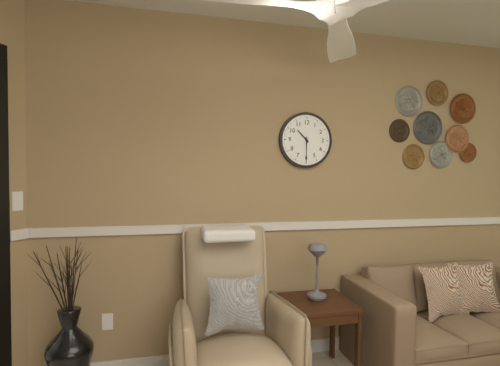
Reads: 10:30
